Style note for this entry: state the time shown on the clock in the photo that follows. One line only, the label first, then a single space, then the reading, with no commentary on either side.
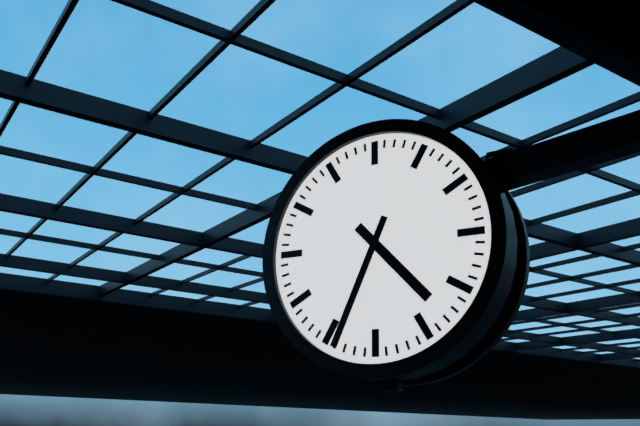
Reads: 4:34
